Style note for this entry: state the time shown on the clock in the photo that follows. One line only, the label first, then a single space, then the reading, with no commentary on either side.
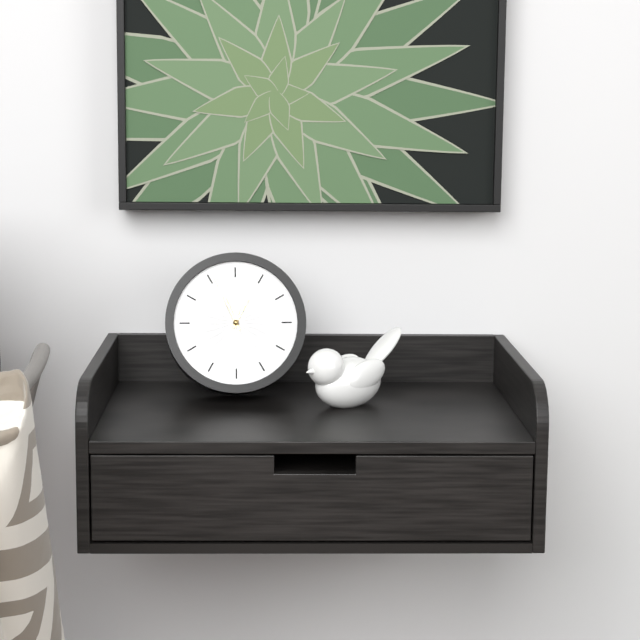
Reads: 12:56
